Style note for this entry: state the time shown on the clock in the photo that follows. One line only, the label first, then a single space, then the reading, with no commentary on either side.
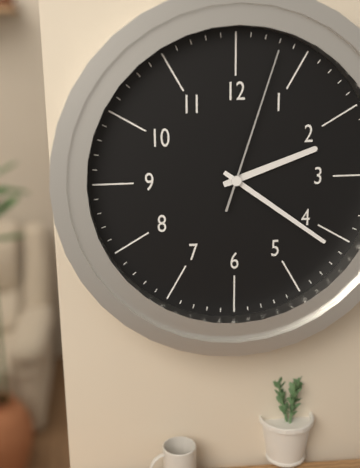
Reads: 2:21:03
